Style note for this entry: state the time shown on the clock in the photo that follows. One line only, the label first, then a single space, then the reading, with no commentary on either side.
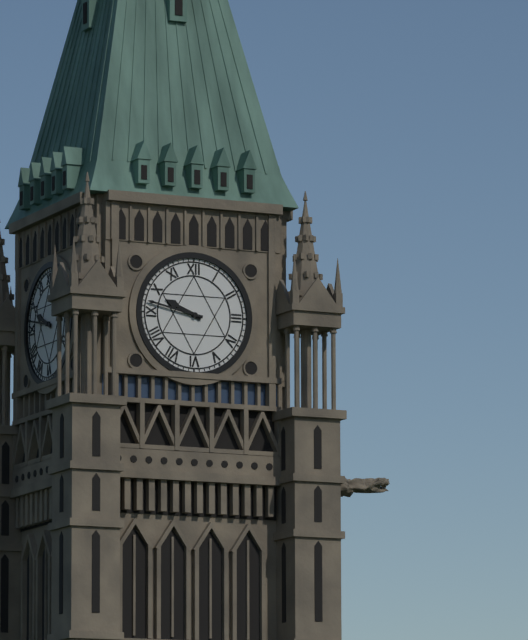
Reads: 9:47
